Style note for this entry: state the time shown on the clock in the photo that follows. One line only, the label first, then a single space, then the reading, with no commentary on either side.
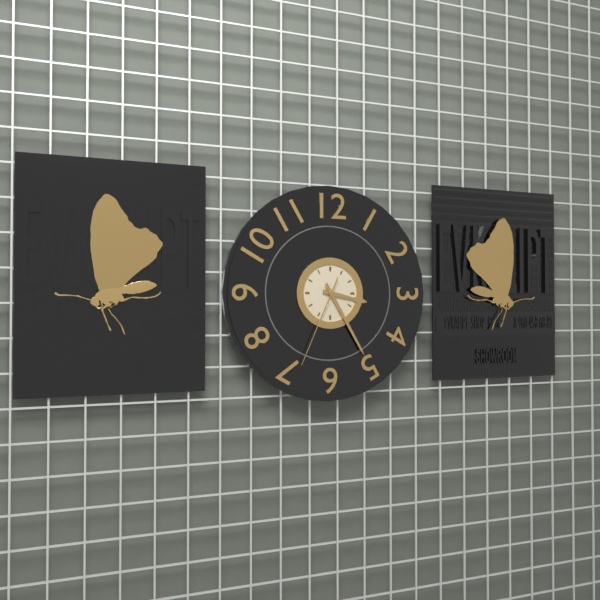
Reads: 3:25:34
